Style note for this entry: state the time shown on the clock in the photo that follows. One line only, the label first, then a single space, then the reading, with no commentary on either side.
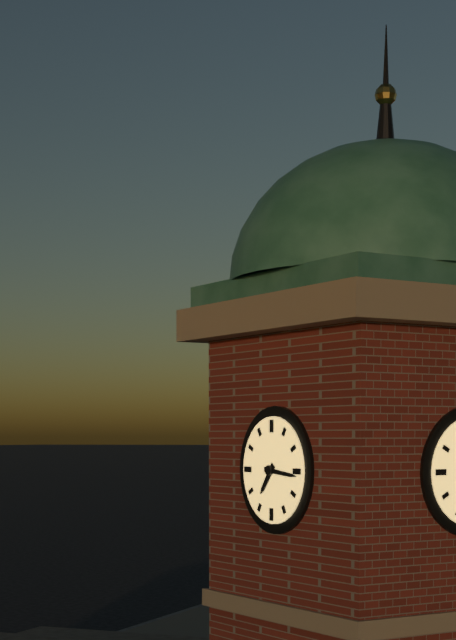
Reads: 7:16
